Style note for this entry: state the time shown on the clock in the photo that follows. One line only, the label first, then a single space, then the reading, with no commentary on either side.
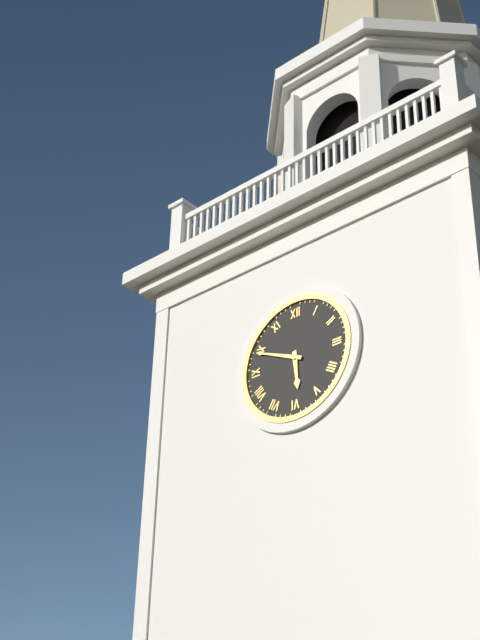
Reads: 5:49
